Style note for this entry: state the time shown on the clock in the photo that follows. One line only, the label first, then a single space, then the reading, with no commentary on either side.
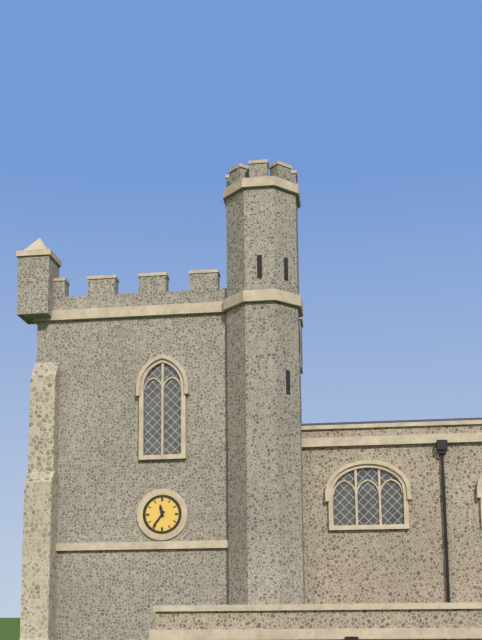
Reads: 11:36
